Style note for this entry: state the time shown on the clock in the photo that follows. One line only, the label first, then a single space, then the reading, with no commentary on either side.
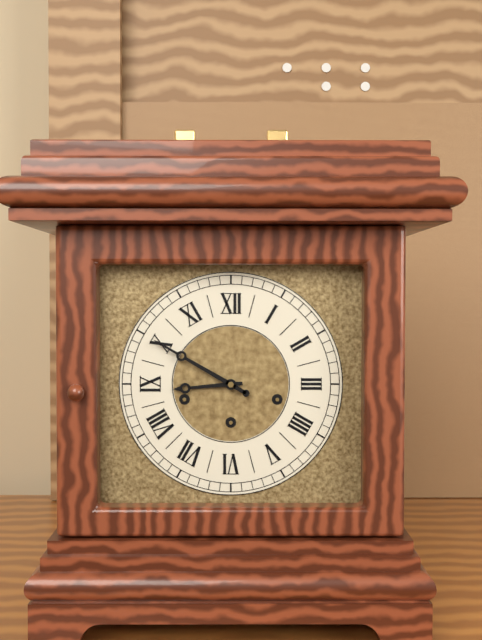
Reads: 8:50
